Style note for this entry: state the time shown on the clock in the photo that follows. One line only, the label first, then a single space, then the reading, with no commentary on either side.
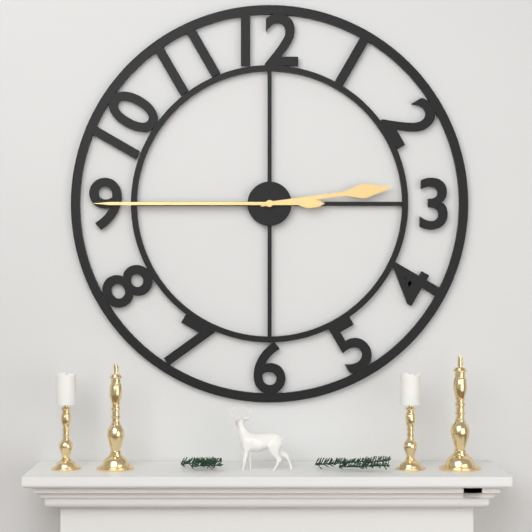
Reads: 2:45
